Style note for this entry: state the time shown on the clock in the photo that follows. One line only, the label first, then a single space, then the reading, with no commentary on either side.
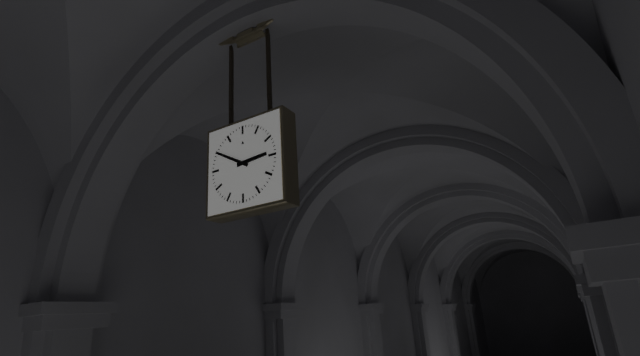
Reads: 2:50
